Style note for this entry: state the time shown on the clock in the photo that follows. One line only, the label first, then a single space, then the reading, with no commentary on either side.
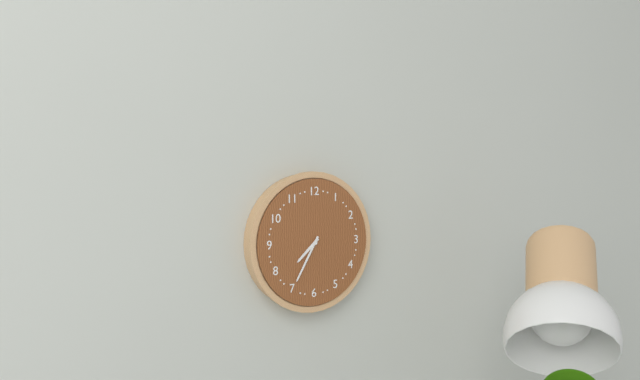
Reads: 7:35
